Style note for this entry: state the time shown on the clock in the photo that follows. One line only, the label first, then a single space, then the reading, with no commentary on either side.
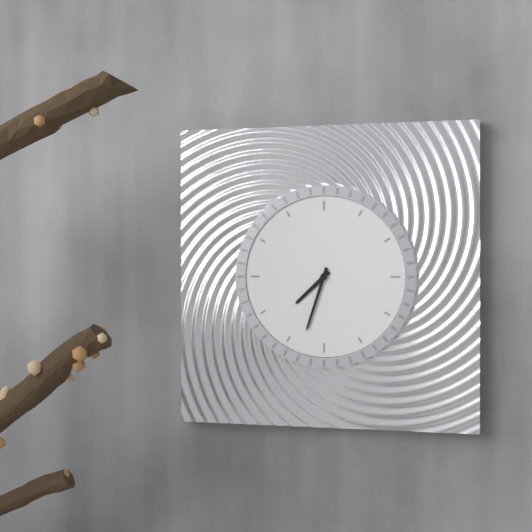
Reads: 7:33
